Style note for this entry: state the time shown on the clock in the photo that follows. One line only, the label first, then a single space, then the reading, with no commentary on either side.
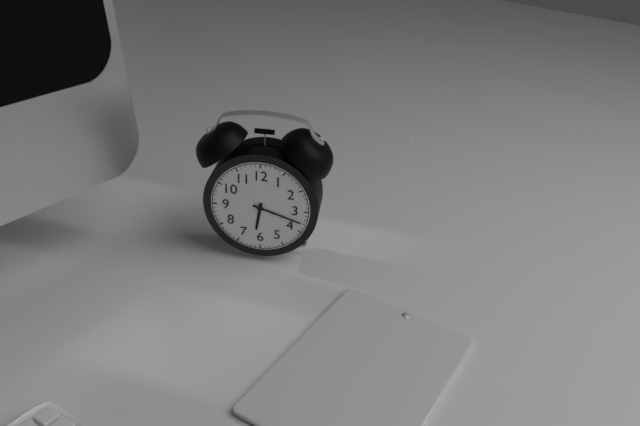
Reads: 6:18
